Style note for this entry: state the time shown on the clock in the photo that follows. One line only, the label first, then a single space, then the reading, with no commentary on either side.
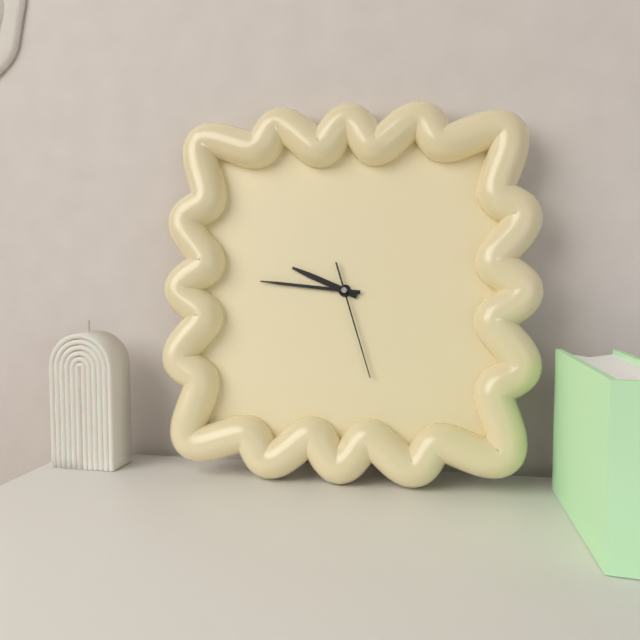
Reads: 9:46:27
